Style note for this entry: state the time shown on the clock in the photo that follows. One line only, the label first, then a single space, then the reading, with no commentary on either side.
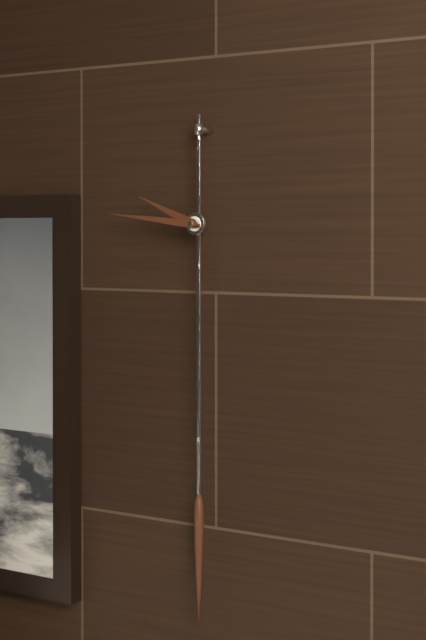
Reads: 9:46
